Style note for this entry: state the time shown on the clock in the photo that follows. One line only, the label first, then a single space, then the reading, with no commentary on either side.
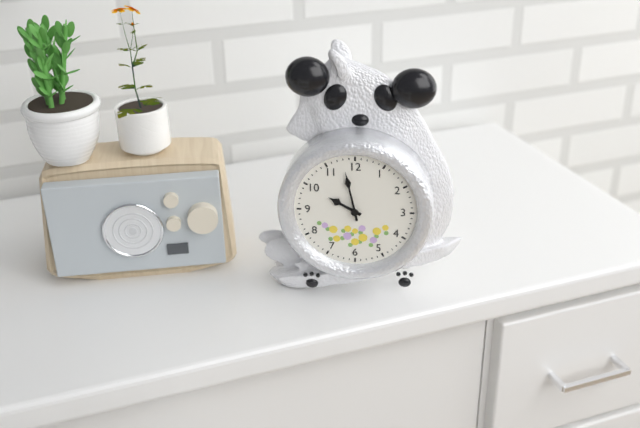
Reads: 9:58
